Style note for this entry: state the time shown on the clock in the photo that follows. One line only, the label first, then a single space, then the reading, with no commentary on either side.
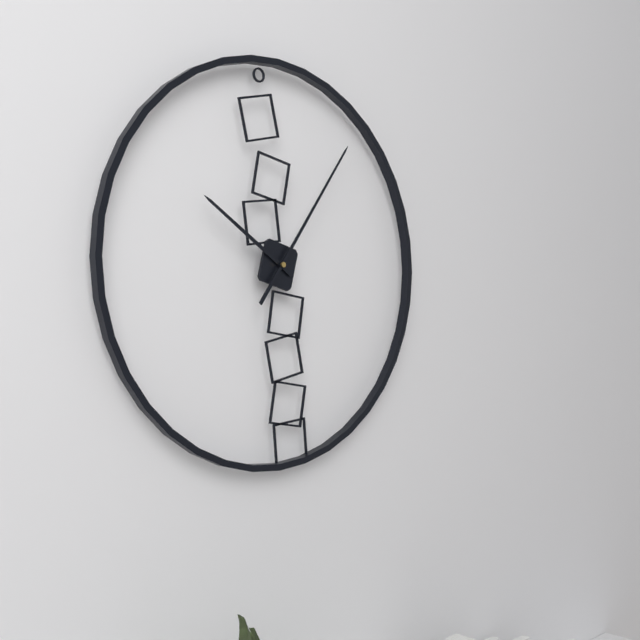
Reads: 10:06
